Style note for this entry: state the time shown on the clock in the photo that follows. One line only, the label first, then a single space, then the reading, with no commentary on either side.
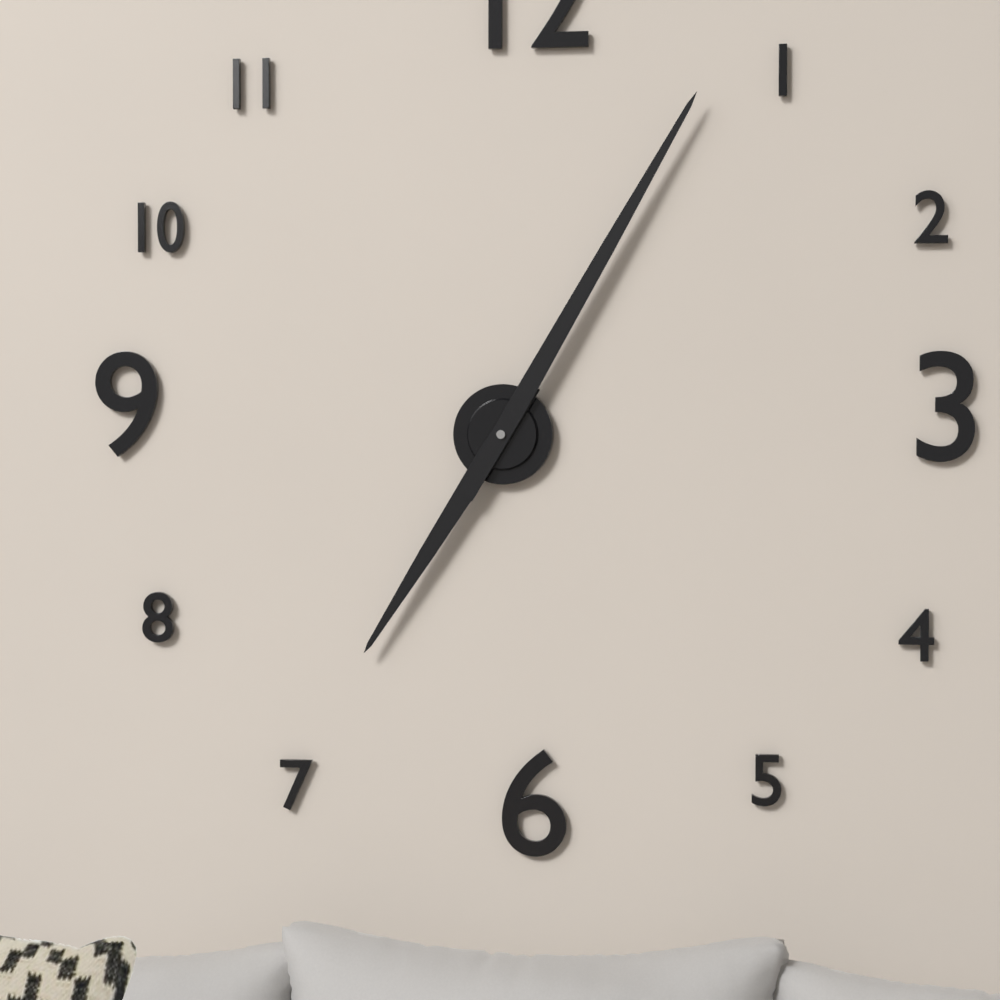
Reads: 7:05
